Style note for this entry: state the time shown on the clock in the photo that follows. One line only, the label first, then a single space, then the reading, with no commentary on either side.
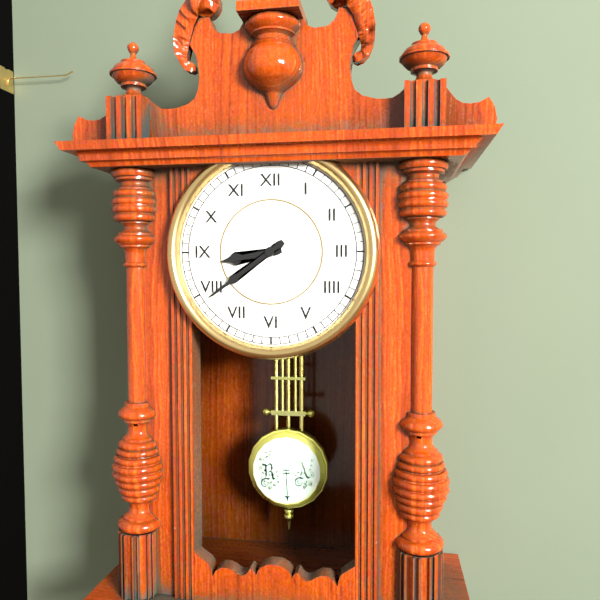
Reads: 8:39
